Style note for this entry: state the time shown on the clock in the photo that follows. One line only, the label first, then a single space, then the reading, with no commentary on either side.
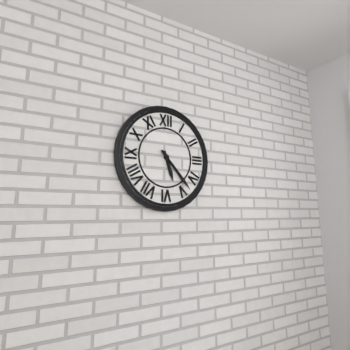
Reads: 5:23
